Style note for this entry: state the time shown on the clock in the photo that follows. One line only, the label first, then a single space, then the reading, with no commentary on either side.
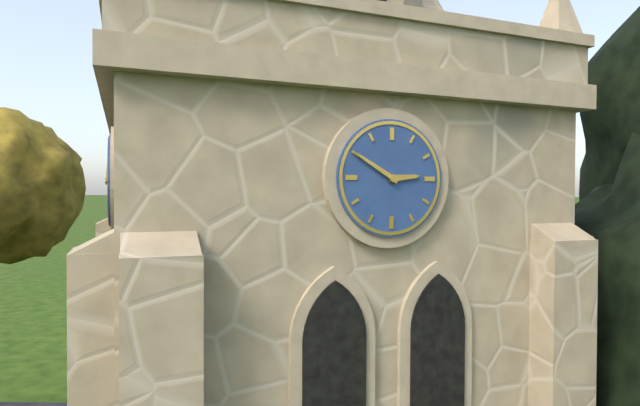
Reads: 2:50
